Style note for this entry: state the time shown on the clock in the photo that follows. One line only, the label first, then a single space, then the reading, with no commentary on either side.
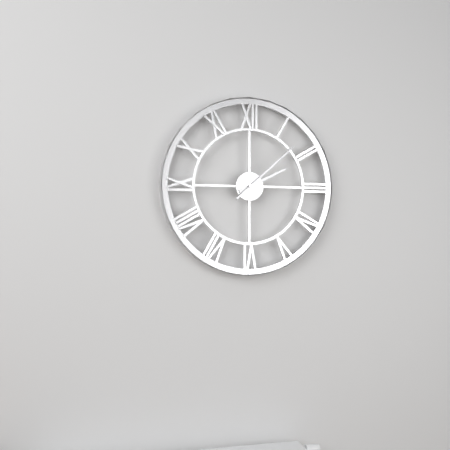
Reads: 2:08
